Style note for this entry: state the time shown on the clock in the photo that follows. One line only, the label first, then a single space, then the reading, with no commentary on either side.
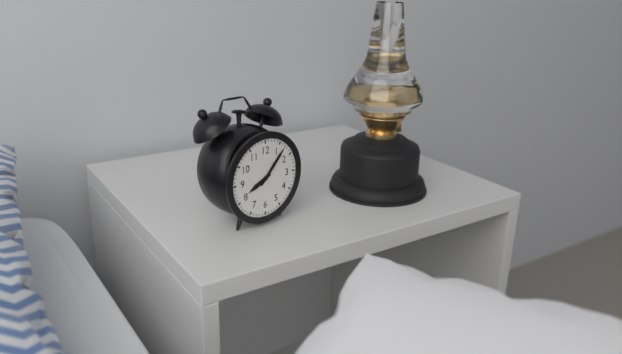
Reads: 8:07
